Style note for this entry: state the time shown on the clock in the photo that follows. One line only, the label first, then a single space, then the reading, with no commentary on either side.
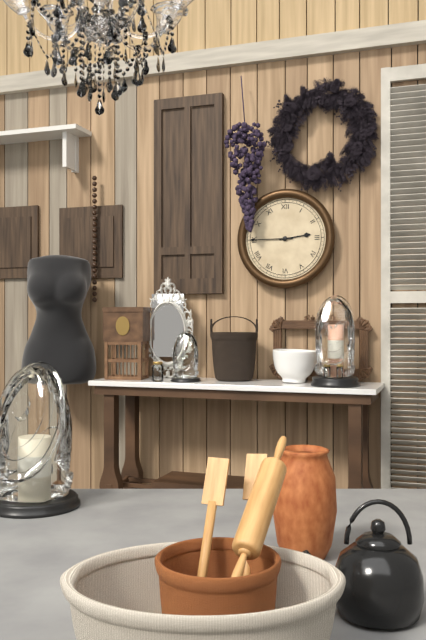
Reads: 2:45
